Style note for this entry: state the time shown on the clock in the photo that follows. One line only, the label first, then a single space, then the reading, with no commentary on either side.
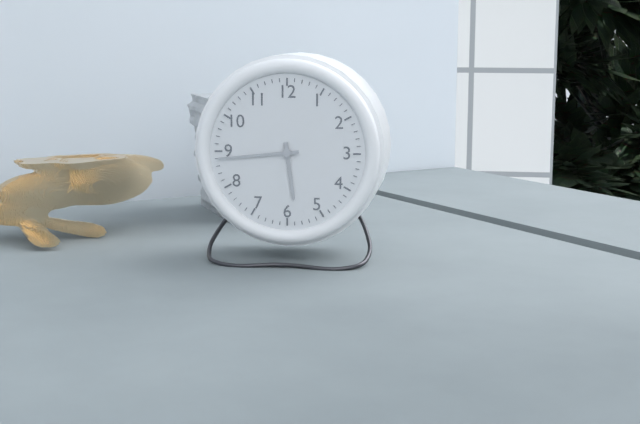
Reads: 5:44
